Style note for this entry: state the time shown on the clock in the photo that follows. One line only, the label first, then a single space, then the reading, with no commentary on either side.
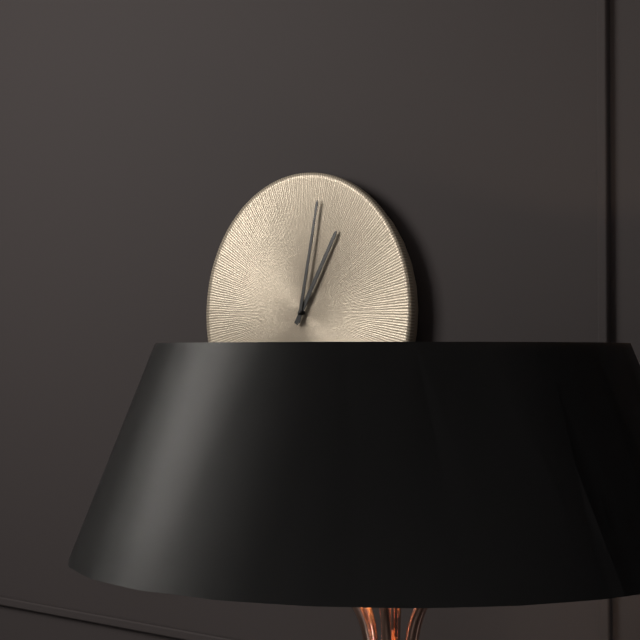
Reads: 1:02
